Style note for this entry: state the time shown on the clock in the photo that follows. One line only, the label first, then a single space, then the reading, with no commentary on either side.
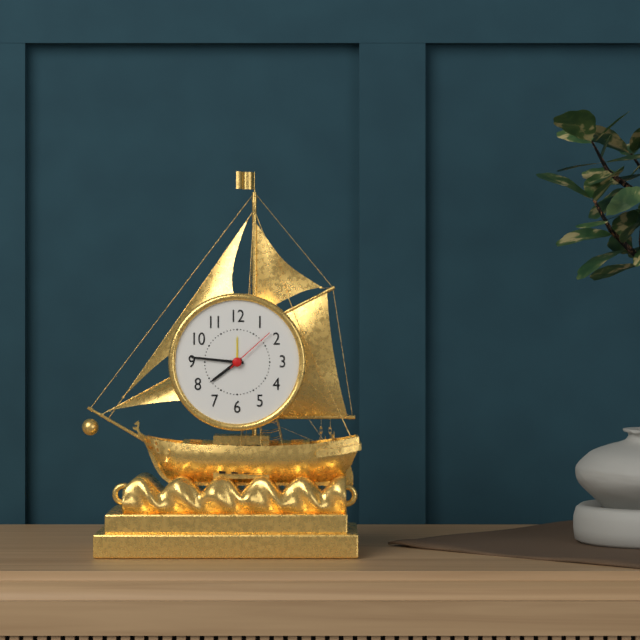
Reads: 7:46:08
